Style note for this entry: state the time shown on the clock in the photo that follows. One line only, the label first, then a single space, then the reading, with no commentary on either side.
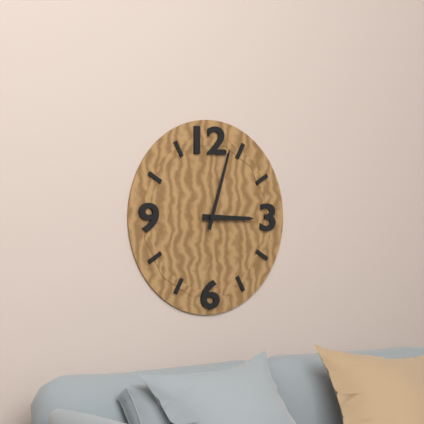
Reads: 3:03
